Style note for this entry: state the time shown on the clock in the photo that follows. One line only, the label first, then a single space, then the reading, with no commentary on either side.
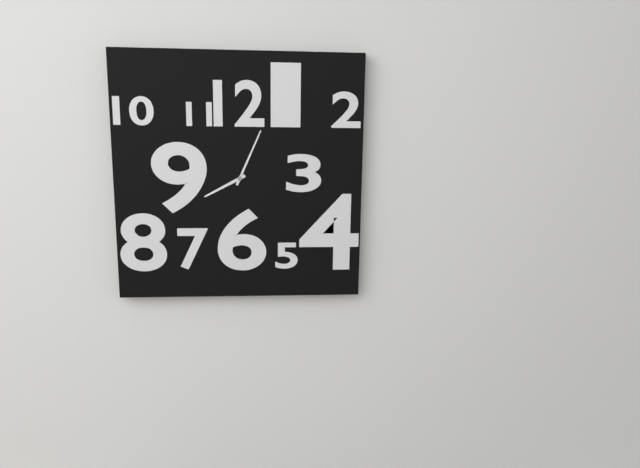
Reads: 8:04
